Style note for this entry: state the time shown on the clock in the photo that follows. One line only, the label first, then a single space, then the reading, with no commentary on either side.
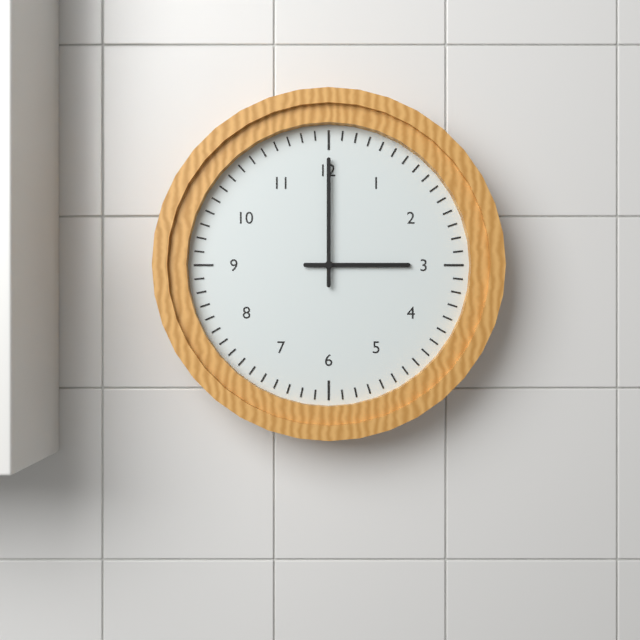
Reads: 3:00
